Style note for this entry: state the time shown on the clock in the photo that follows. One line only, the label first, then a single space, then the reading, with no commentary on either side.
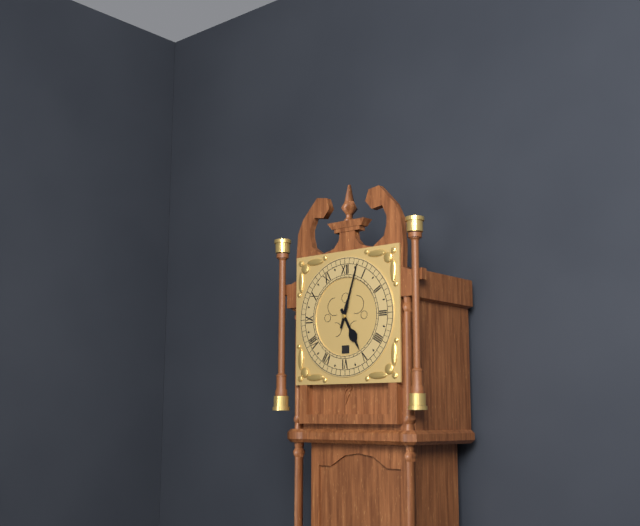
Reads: 5:03
